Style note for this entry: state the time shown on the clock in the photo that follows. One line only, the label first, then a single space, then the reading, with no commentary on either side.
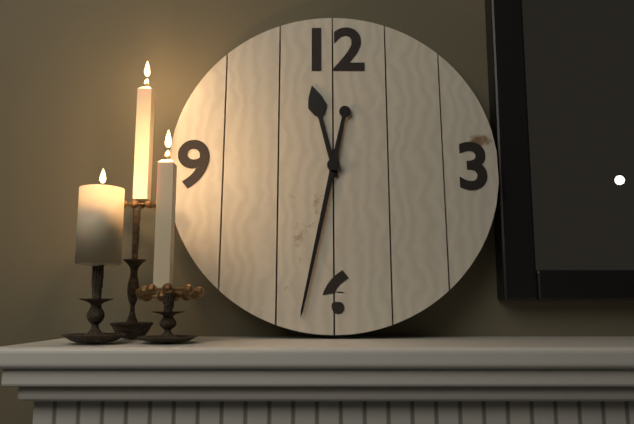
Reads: 11:32
